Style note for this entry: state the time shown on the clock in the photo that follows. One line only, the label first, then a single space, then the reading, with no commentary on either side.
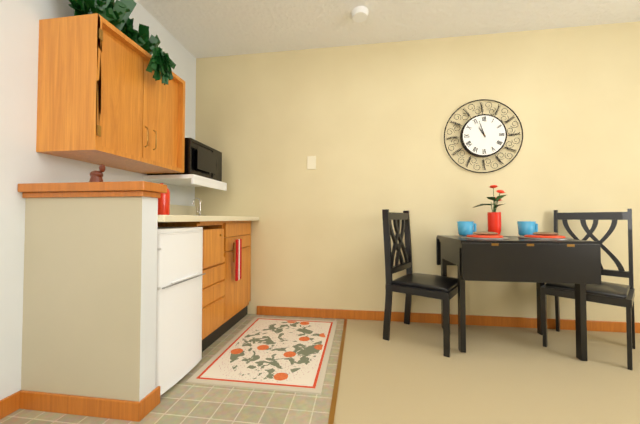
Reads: 10:57
